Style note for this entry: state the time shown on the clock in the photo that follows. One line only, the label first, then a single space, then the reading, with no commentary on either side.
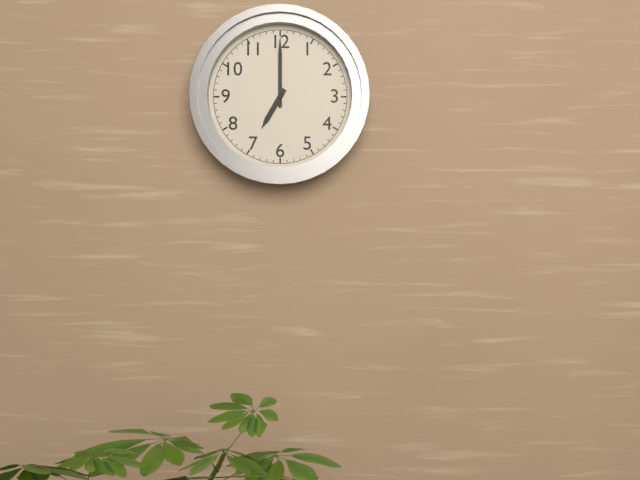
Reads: 7:00
